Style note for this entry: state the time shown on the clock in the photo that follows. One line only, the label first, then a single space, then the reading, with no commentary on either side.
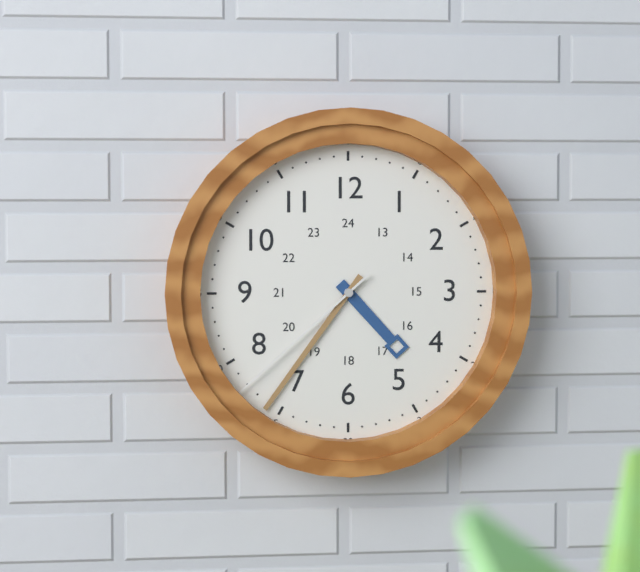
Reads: 4:36:38
